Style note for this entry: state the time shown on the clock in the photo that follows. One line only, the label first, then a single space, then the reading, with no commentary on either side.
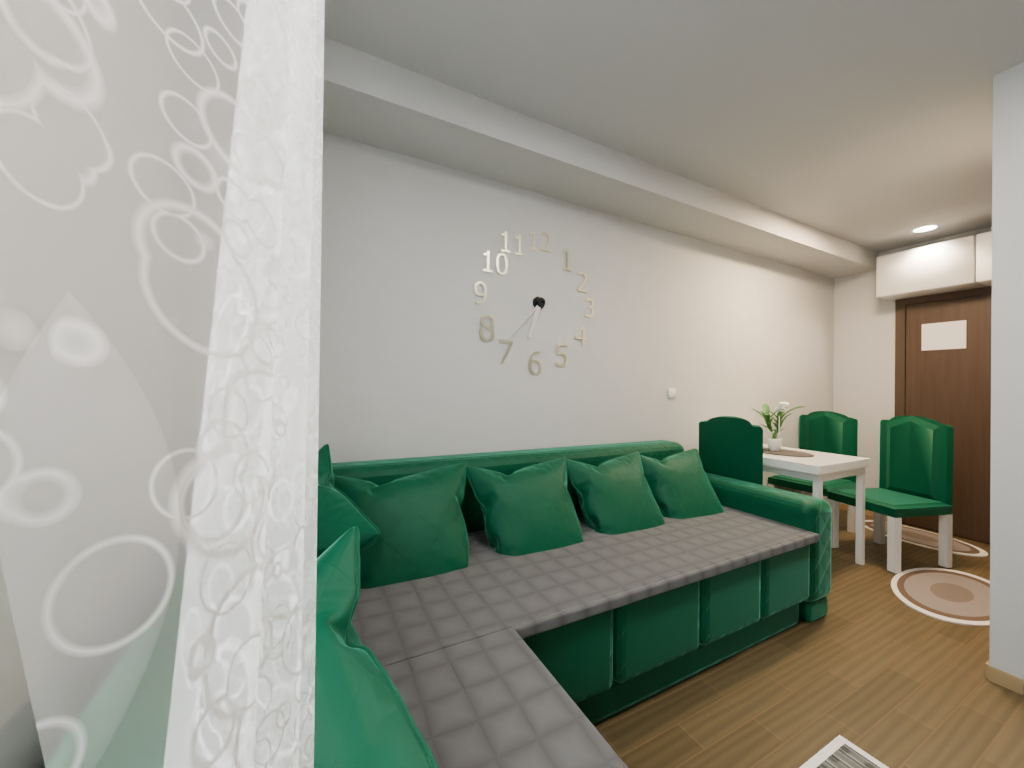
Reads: 6:37
